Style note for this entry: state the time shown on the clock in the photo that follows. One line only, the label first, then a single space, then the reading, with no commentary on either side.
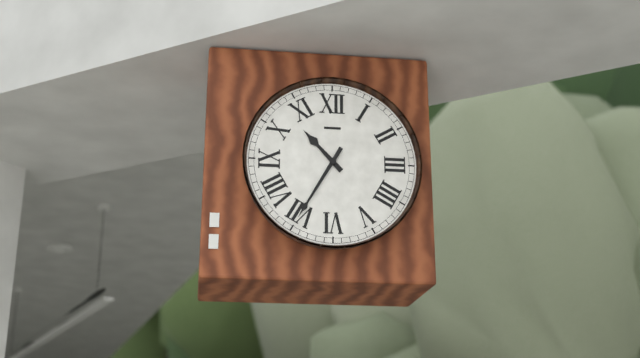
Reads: 10:35
